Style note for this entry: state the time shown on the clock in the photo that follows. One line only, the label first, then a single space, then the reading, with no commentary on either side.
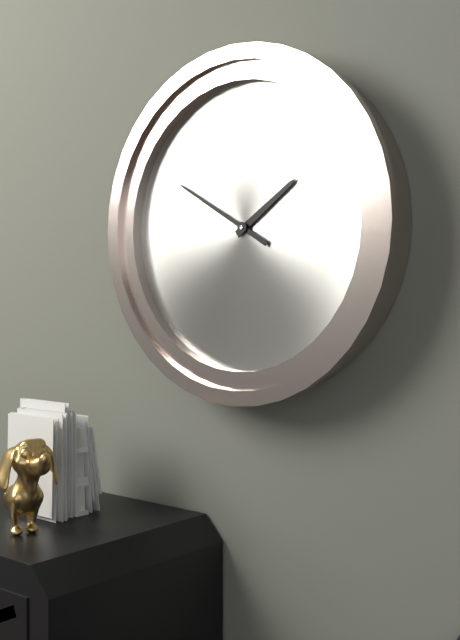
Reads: 1:50
